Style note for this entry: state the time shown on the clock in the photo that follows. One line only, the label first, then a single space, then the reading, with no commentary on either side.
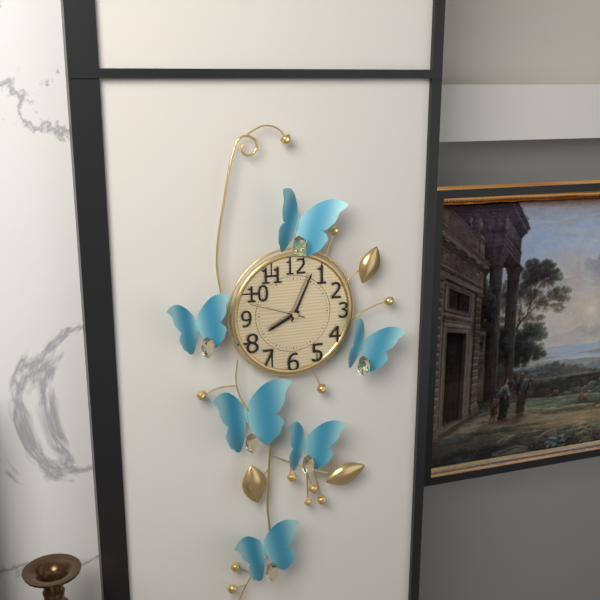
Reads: 8:04:48
